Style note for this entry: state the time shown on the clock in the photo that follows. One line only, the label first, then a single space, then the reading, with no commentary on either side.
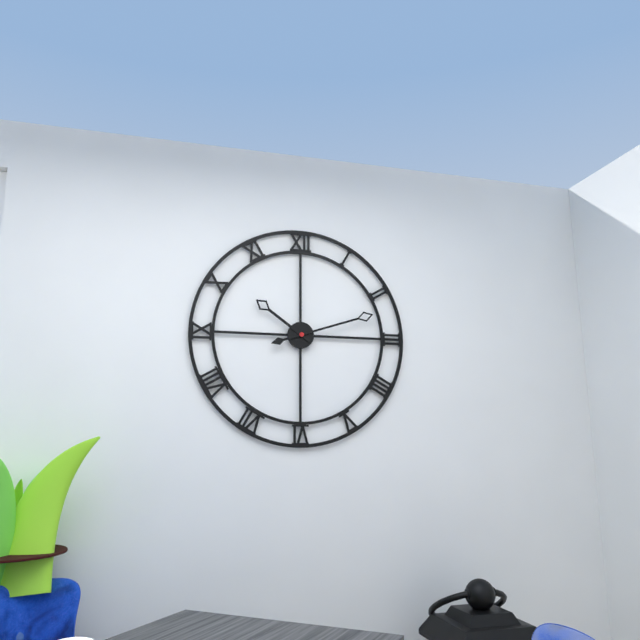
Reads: 10:12
